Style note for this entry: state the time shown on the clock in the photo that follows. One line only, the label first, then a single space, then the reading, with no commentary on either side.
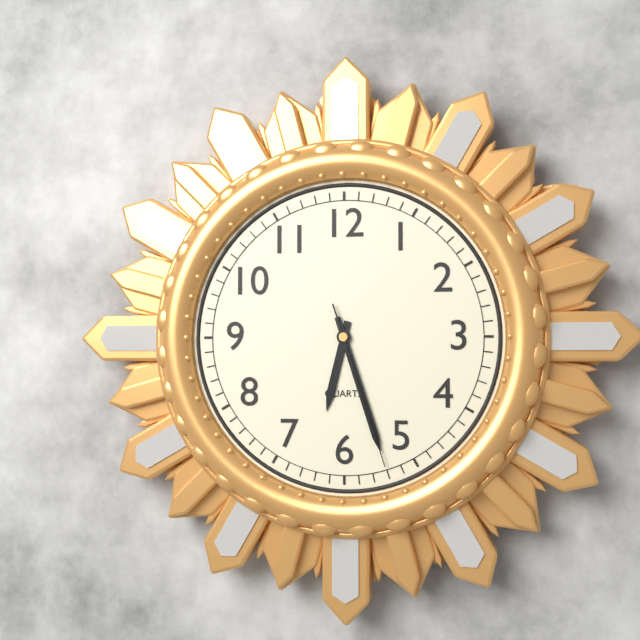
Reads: 6:27:27
